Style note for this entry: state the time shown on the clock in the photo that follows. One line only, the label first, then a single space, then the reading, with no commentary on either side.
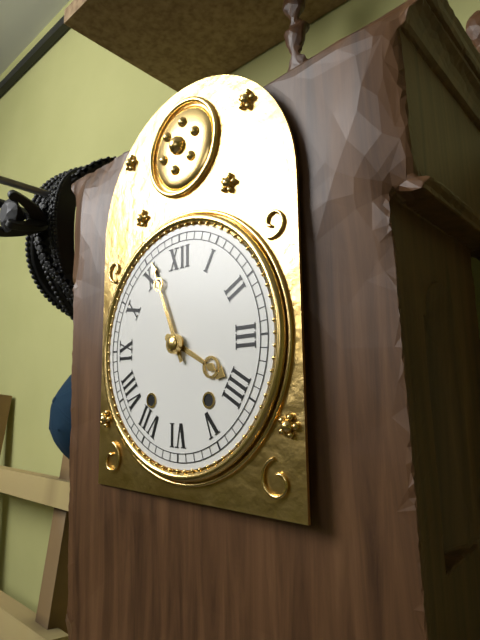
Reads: 3:56
